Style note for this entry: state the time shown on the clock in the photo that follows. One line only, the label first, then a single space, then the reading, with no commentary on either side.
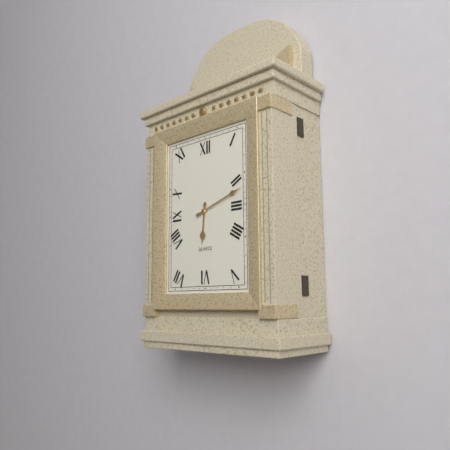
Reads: 6:12
